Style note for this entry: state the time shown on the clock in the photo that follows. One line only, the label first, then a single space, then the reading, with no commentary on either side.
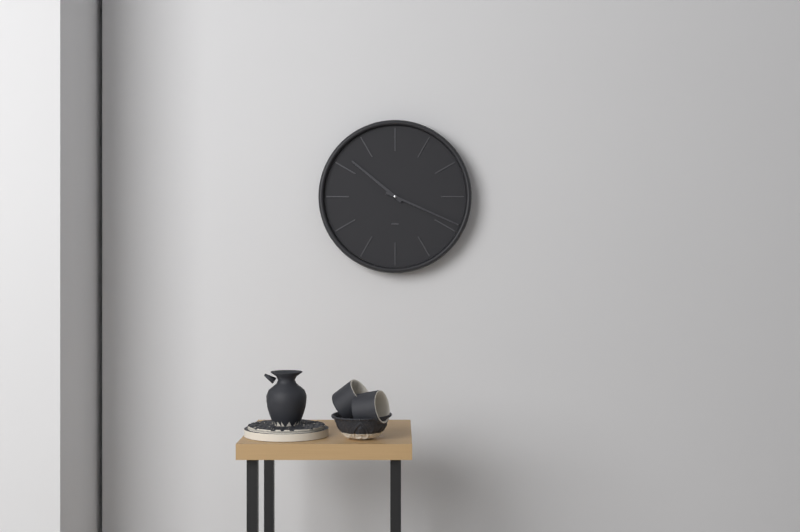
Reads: 10:19
